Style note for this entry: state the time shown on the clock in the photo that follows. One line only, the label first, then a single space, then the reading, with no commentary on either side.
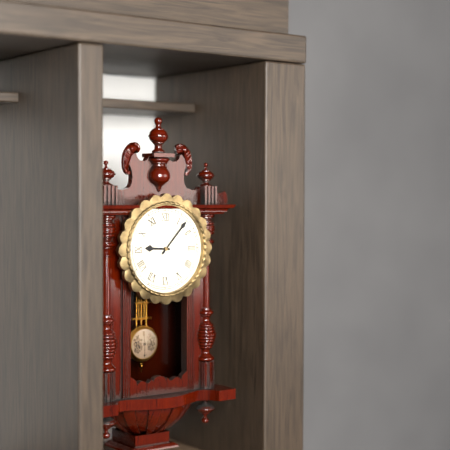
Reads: 9:07
